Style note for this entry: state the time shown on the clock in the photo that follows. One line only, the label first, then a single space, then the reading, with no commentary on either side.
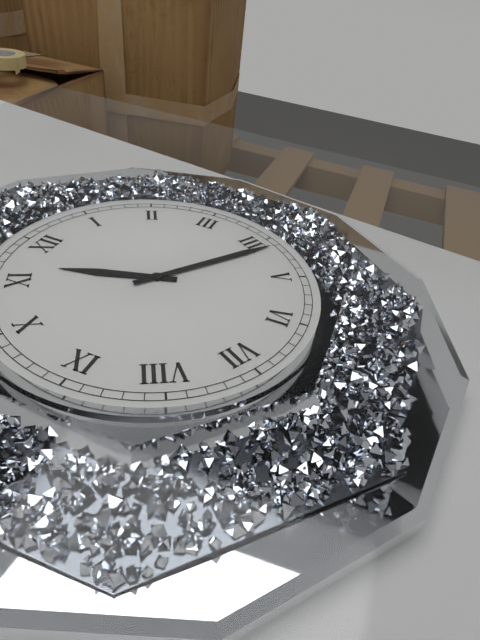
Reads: 11:21
